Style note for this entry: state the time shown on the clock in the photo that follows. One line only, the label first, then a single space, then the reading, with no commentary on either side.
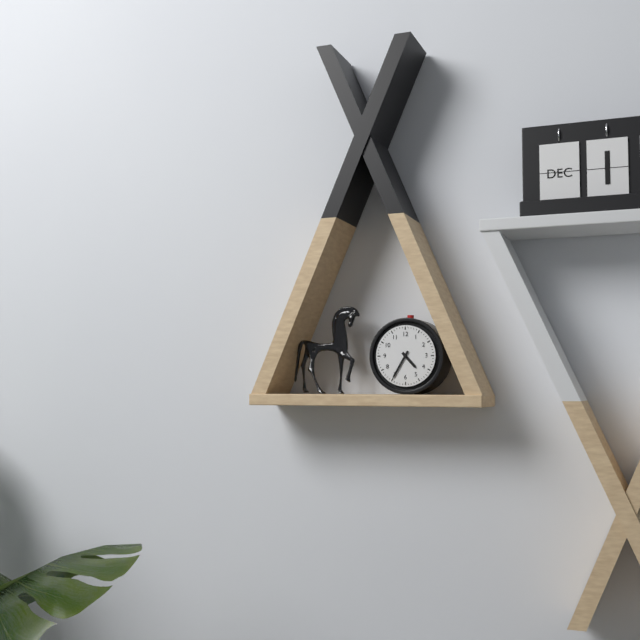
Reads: 4:35
